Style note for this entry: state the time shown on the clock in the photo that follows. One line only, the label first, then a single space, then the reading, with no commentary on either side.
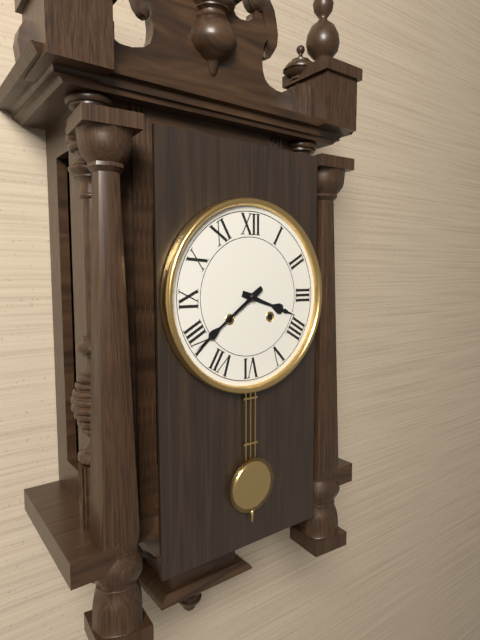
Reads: 3:39
